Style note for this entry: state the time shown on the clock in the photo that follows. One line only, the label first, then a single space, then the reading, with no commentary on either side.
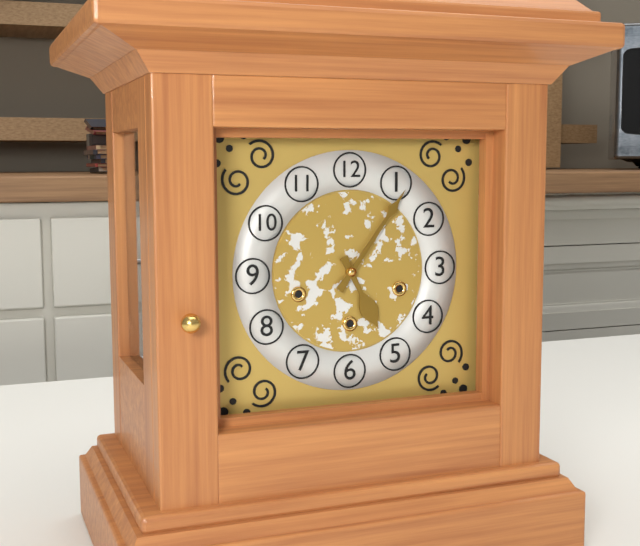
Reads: 5:06
